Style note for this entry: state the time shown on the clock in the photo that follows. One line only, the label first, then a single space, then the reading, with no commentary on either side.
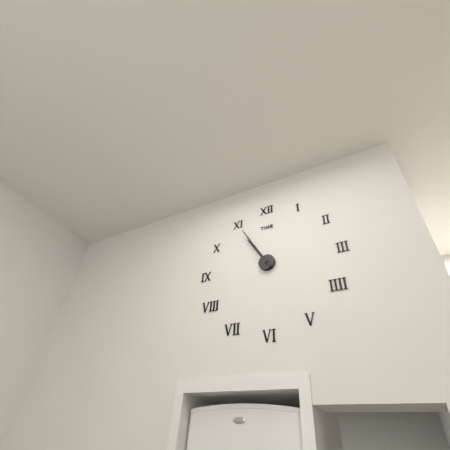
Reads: 10:55
